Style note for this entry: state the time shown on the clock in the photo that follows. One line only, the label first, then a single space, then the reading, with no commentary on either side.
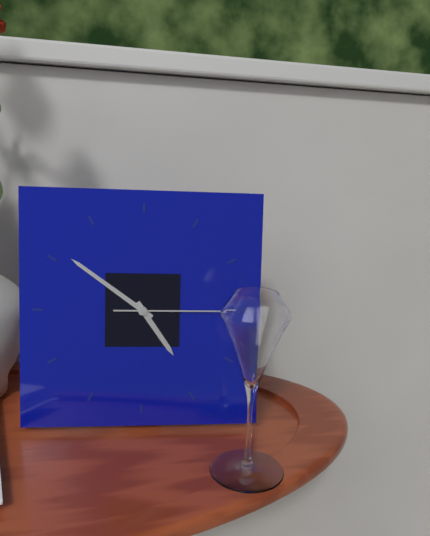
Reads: 4:51:15
